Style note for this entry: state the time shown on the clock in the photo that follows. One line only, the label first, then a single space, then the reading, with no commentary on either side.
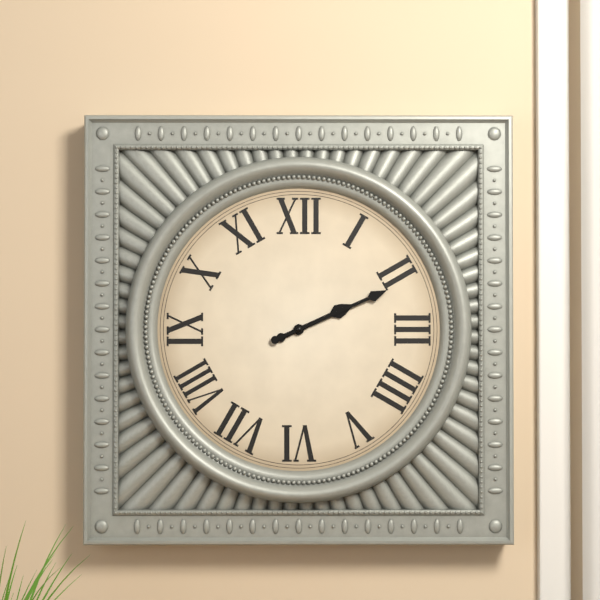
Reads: 2:11
